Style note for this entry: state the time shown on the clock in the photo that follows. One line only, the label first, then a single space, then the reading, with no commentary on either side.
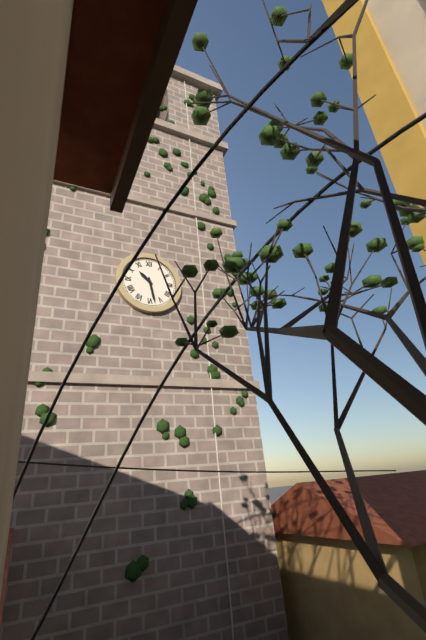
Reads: 10:28
